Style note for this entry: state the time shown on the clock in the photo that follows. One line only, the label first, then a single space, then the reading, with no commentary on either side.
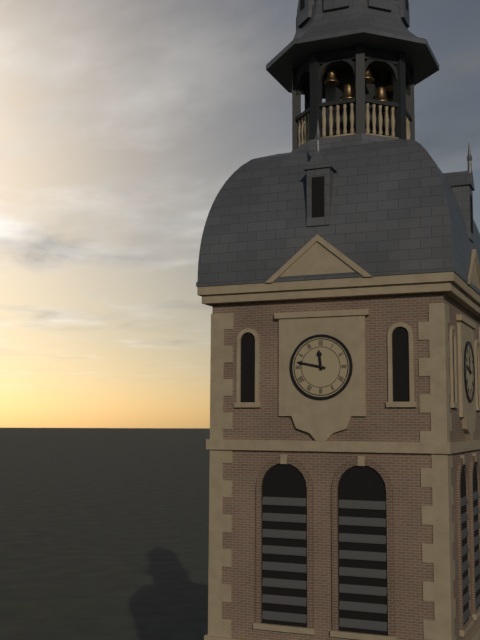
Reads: 11:47
